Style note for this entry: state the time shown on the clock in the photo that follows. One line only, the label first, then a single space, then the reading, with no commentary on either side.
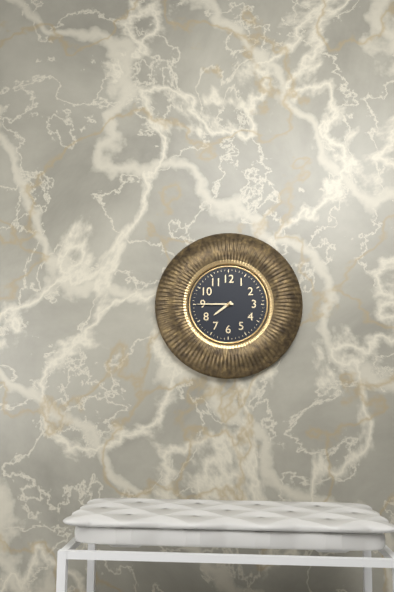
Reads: 7:45
